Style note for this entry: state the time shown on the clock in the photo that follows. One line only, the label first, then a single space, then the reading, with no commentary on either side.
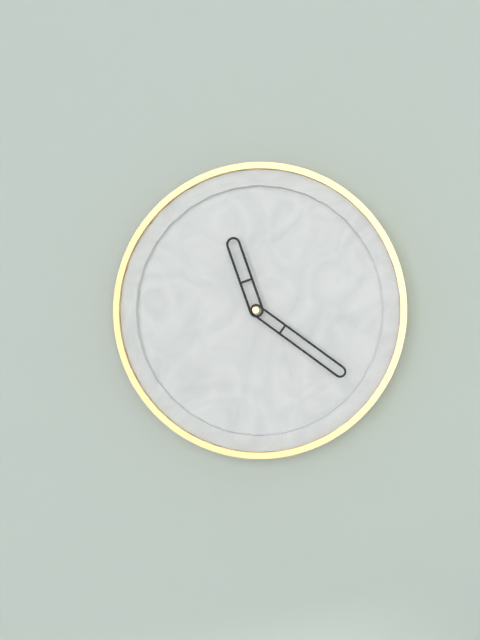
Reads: 11:21
